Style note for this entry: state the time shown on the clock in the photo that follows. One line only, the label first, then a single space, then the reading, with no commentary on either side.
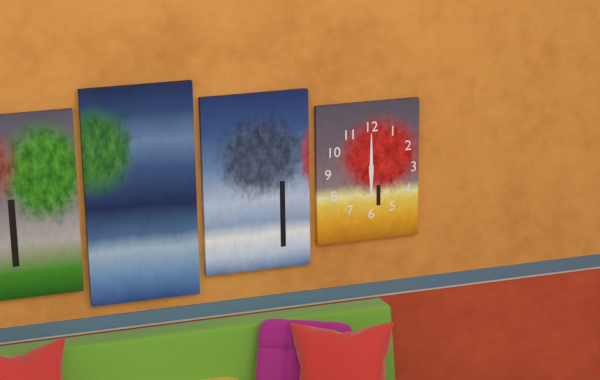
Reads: 6:00
